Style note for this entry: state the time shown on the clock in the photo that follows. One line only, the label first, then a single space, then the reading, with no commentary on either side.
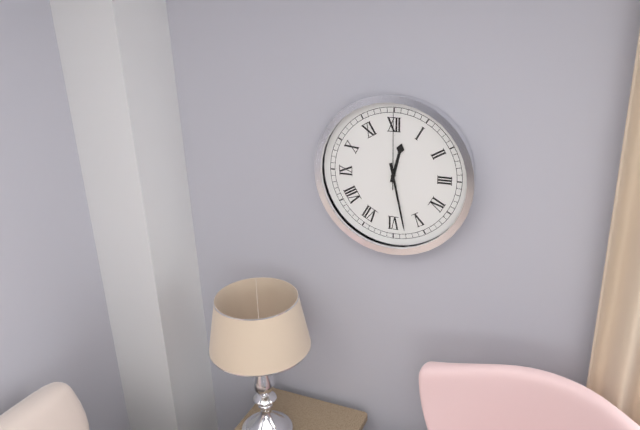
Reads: 12:28:00
